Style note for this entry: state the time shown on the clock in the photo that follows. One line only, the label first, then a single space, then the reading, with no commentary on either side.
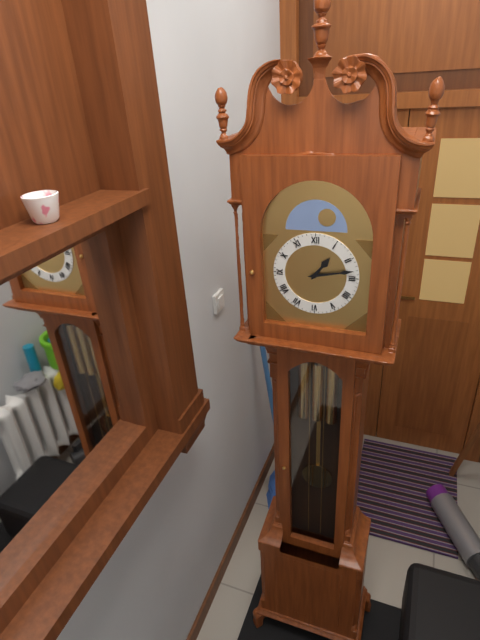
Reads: 1:13
